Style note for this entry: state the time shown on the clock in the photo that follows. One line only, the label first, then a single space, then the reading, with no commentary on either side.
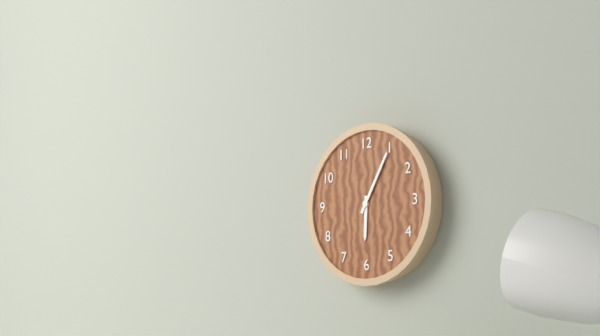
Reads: 6:05
